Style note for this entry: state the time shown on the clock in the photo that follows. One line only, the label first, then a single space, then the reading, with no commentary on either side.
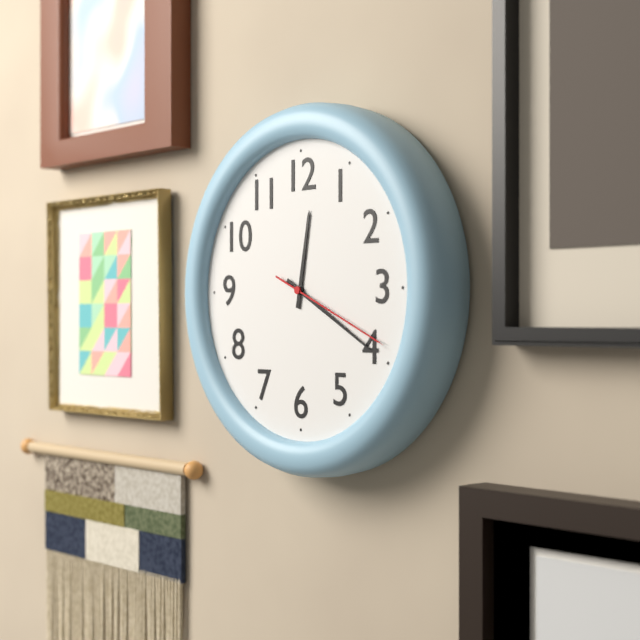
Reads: 12:20:19
